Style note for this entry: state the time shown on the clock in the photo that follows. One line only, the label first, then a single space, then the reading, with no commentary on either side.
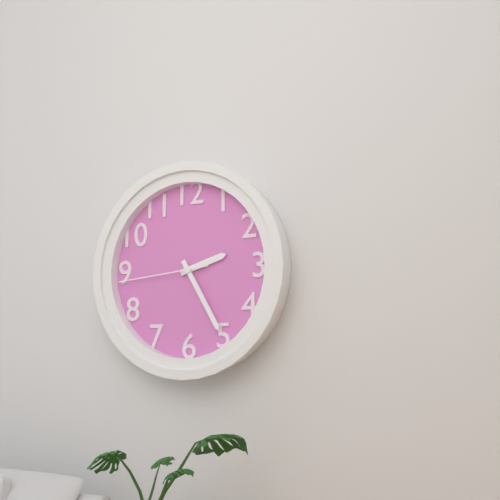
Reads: 2:25:44
